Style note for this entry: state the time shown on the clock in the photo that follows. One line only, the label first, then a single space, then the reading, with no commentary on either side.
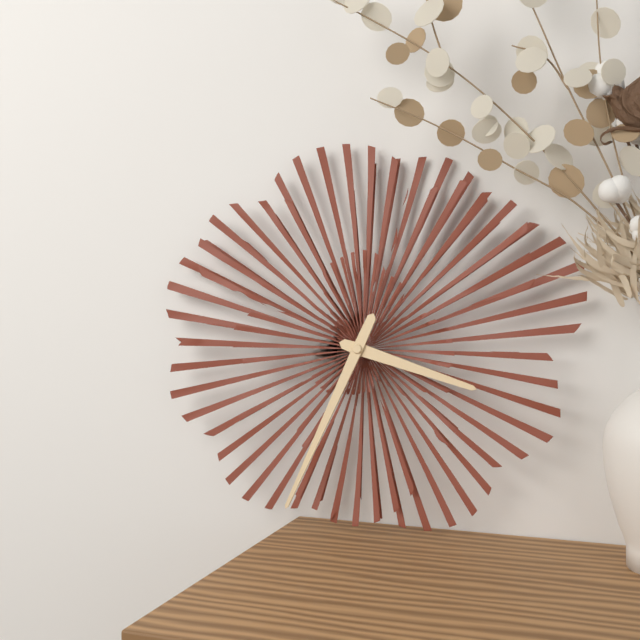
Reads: 3:34
